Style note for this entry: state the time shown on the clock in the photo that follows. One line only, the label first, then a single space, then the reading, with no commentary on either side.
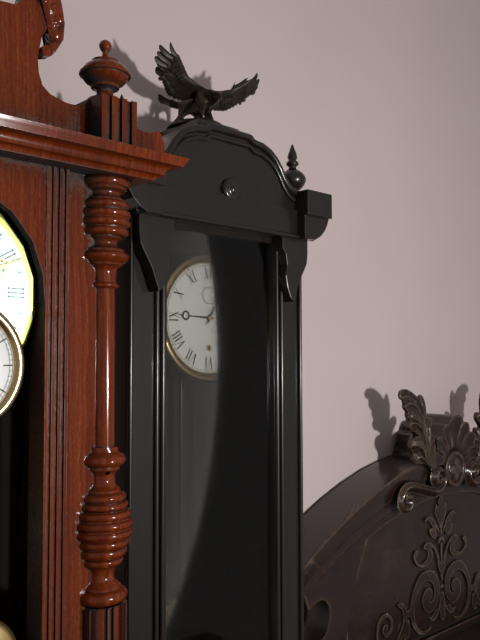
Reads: 9:05
